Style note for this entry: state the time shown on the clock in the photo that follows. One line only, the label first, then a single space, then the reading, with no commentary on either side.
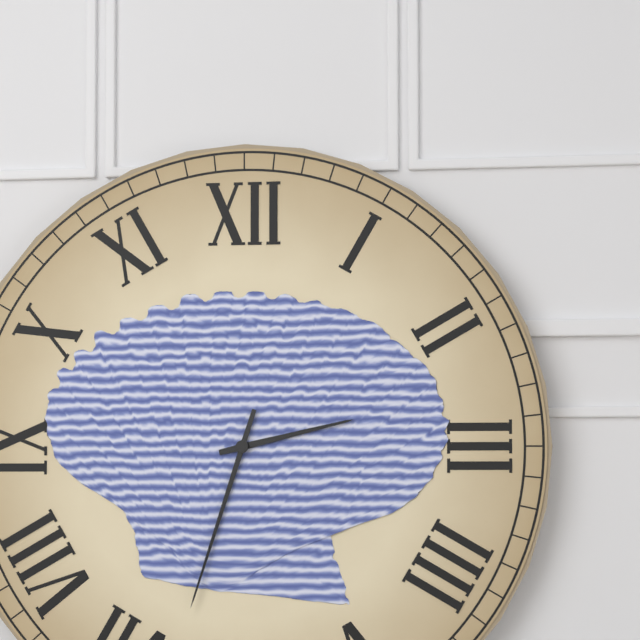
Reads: 2:33
